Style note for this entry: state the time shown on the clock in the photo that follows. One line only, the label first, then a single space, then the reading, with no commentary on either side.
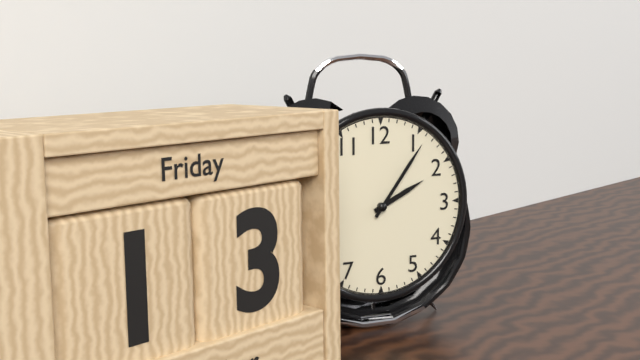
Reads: 2:06
